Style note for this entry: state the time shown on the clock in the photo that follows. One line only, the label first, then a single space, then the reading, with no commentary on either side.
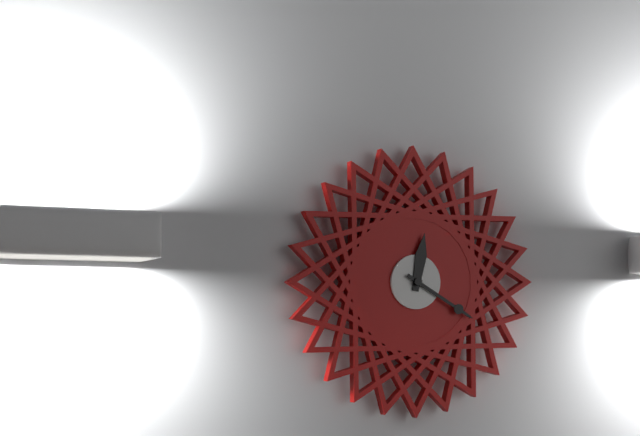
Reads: 12:20
